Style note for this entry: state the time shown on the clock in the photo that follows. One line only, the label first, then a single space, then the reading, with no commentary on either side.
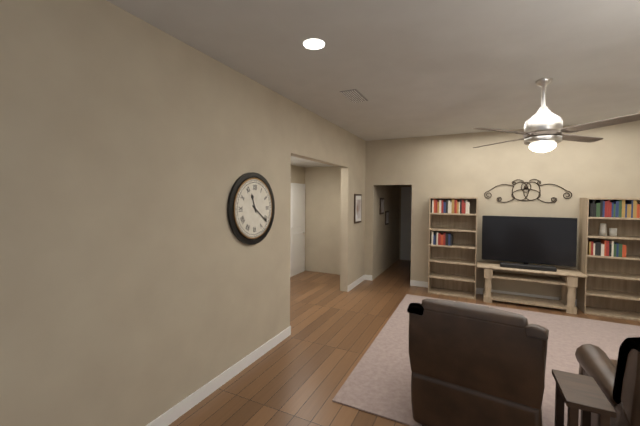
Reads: 11:21
